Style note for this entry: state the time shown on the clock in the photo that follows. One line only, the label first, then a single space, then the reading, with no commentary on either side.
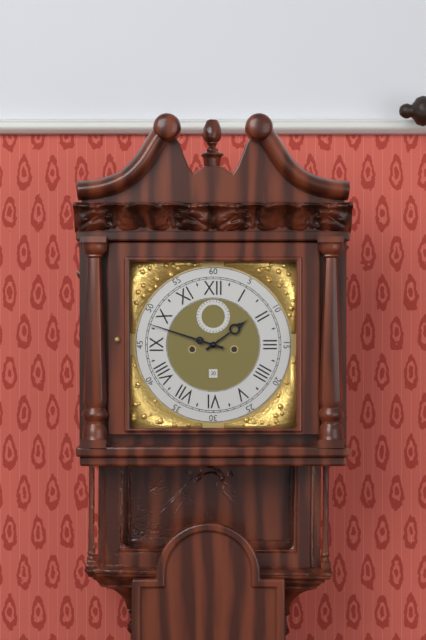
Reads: 1:48
